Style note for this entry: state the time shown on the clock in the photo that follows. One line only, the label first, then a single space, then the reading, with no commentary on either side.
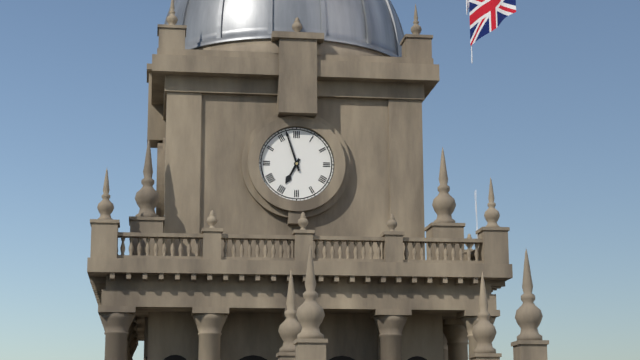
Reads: 6:57
